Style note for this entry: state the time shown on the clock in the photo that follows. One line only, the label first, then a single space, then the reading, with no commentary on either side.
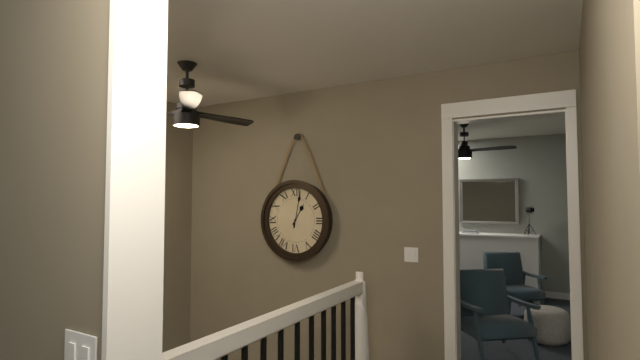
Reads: 1:02
